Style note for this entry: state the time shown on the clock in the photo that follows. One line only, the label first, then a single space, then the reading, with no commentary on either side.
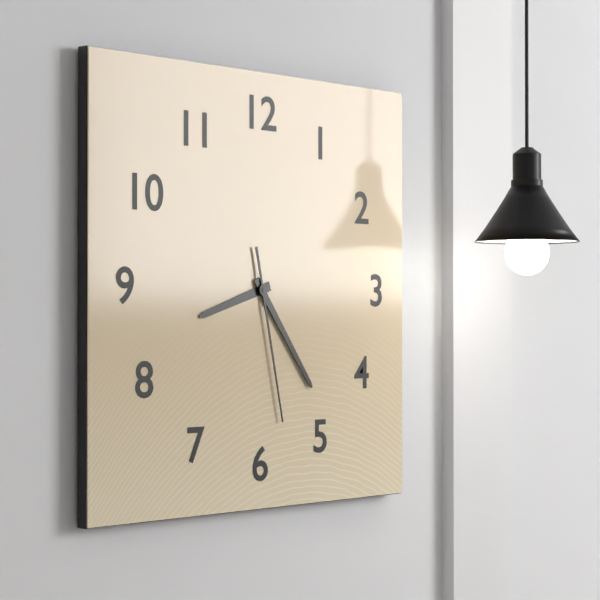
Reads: 8:24:28
